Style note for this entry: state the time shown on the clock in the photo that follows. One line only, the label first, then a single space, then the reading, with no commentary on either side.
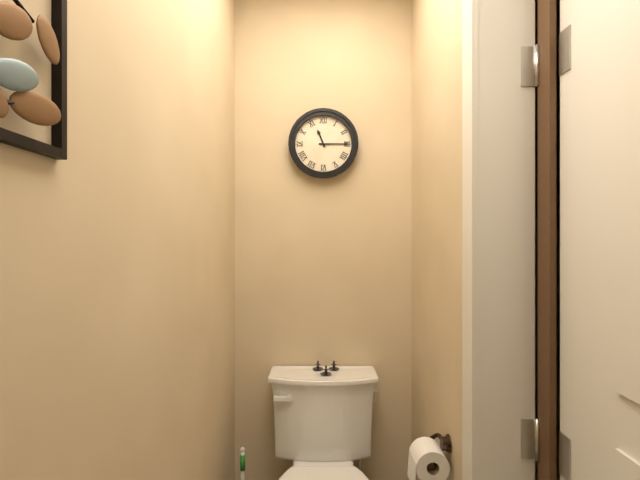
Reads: 11:15
